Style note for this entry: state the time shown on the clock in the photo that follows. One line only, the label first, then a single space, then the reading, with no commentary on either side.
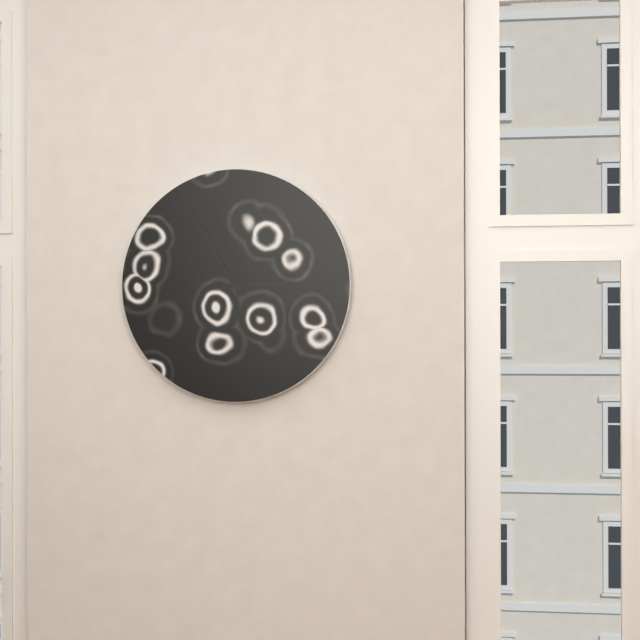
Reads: 2:55
